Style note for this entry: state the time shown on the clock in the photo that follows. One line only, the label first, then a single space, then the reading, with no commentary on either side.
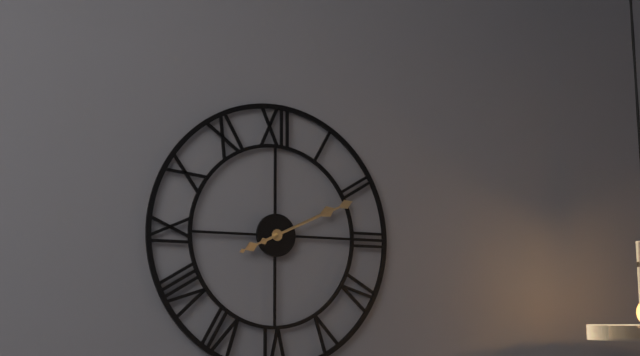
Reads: 2:11
